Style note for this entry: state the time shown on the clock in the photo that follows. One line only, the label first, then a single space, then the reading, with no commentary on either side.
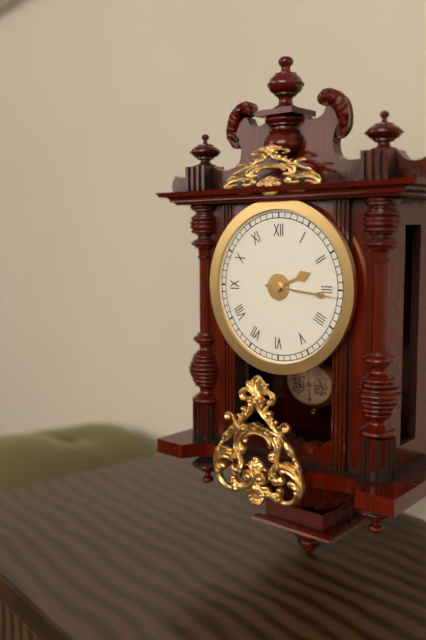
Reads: 2:16
